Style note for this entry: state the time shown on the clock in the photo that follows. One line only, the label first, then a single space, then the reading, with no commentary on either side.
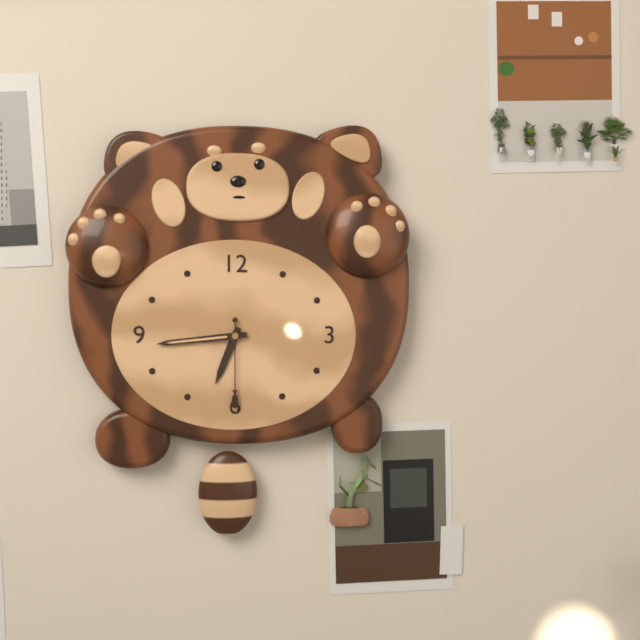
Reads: 6:44:30
